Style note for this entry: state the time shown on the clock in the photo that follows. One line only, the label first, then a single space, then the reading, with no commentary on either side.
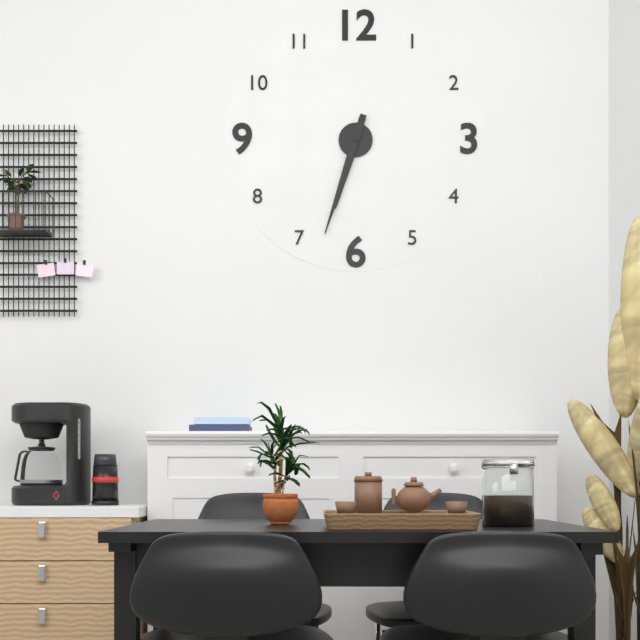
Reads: 6:33
